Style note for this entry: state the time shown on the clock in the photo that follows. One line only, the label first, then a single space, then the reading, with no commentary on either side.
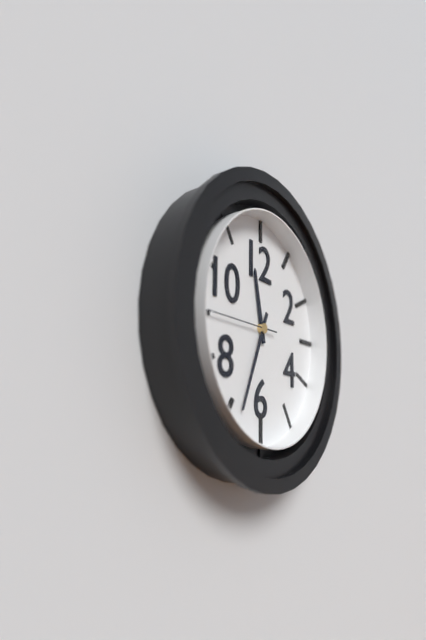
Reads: 11:34:45
